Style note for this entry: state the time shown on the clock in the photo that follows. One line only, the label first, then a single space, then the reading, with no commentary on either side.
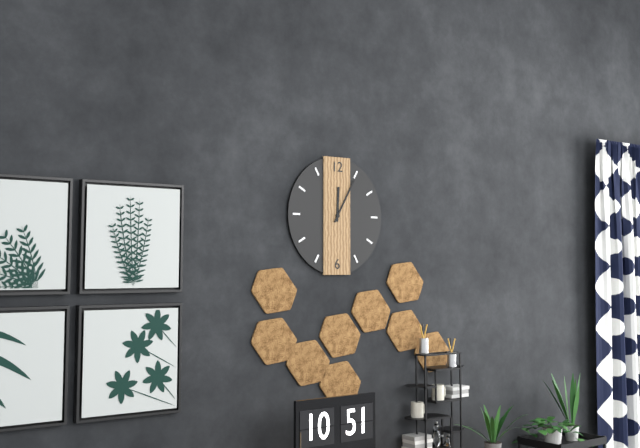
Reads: 12:05
